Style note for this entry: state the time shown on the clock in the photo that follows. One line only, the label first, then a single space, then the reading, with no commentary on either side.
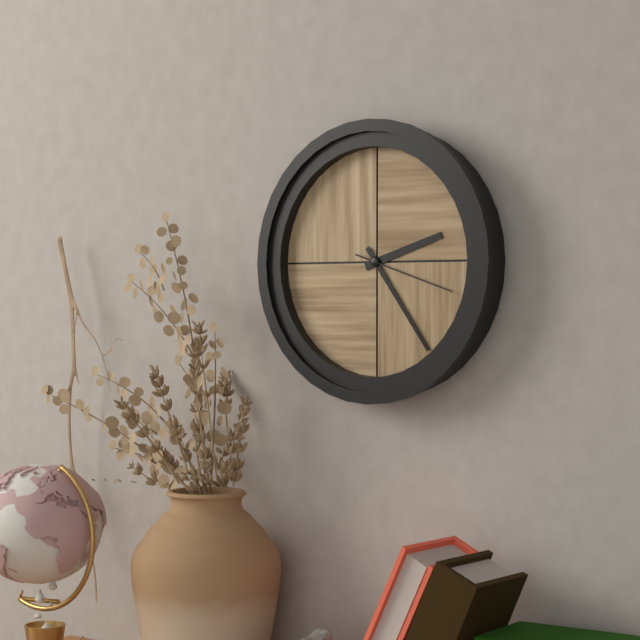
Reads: 2:24:18
